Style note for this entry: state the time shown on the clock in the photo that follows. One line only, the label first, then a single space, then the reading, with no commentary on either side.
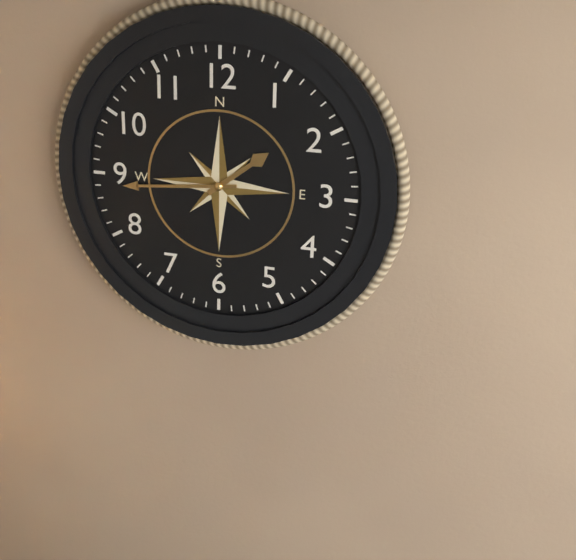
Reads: 1:44
